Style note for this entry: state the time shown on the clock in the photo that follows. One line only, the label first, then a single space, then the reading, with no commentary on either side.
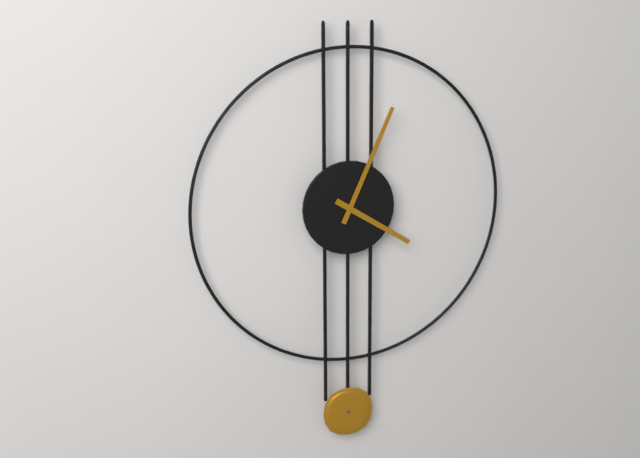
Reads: 4:04
